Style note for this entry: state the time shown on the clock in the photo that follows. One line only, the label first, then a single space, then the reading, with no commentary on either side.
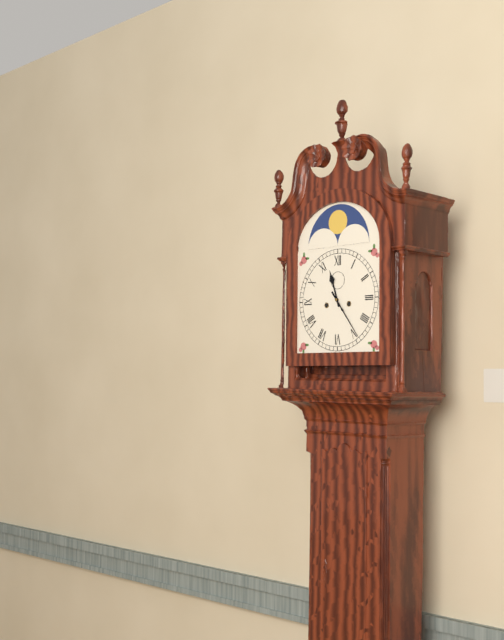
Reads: 11:24
